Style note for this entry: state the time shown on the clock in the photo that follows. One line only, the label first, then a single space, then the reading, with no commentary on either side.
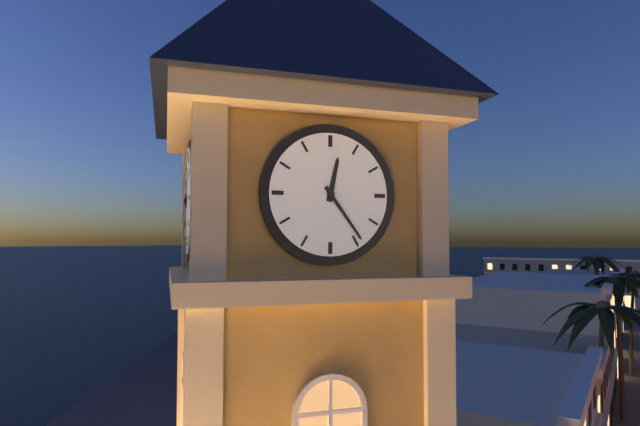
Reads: 12:24
